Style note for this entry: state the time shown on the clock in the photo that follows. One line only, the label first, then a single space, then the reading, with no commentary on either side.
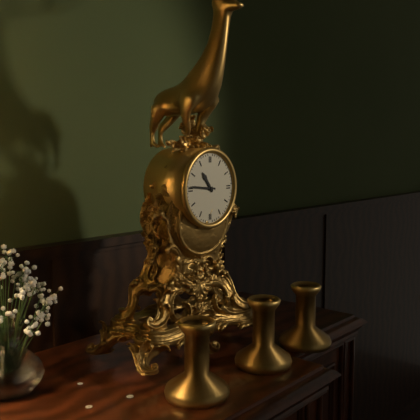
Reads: 10:46
